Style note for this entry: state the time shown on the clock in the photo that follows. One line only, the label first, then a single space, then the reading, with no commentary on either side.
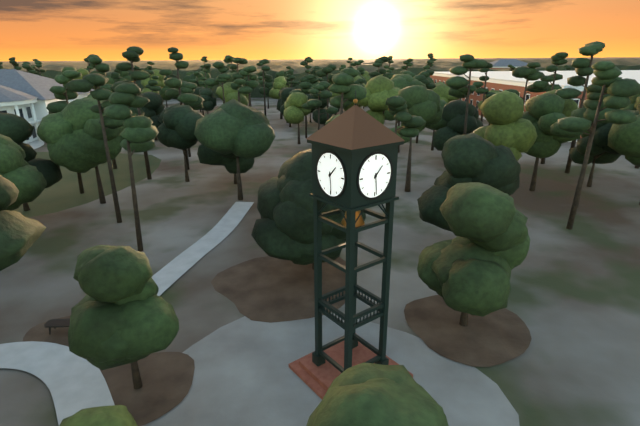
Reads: 1:29
